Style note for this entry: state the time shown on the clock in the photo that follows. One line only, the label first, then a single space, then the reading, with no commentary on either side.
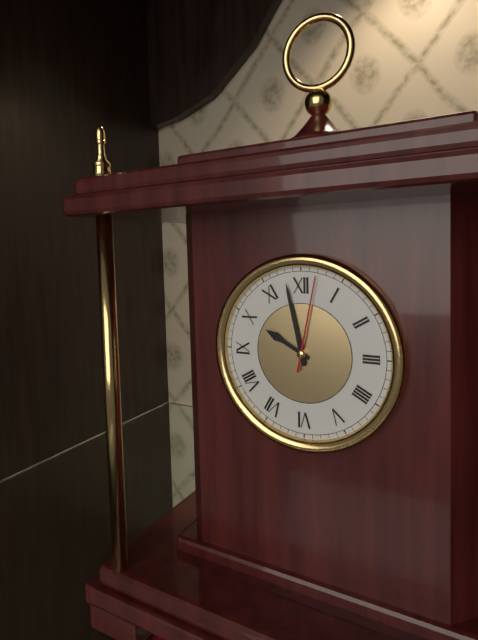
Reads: 9:58:02
